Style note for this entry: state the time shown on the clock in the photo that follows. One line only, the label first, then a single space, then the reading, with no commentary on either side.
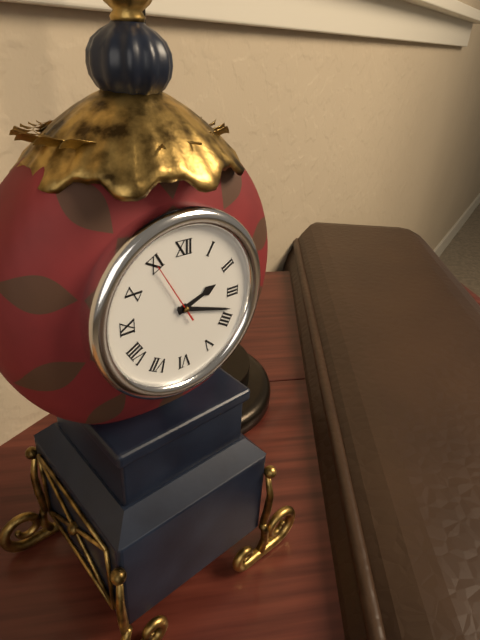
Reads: 2:18:55
